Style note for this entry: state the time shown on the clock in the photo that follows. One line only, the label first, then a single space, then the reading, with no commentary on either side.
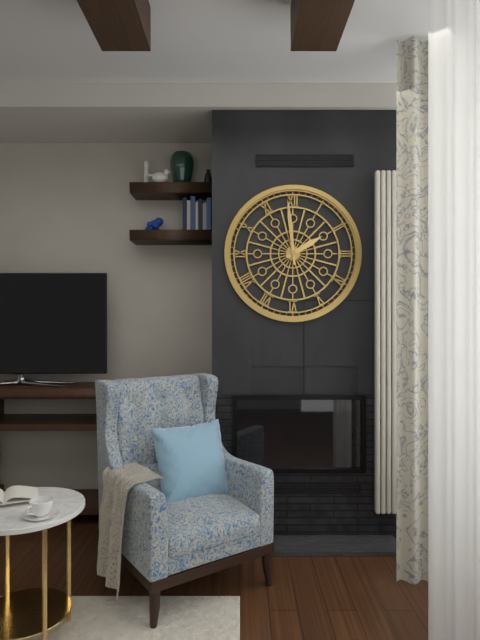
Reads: 1:59
